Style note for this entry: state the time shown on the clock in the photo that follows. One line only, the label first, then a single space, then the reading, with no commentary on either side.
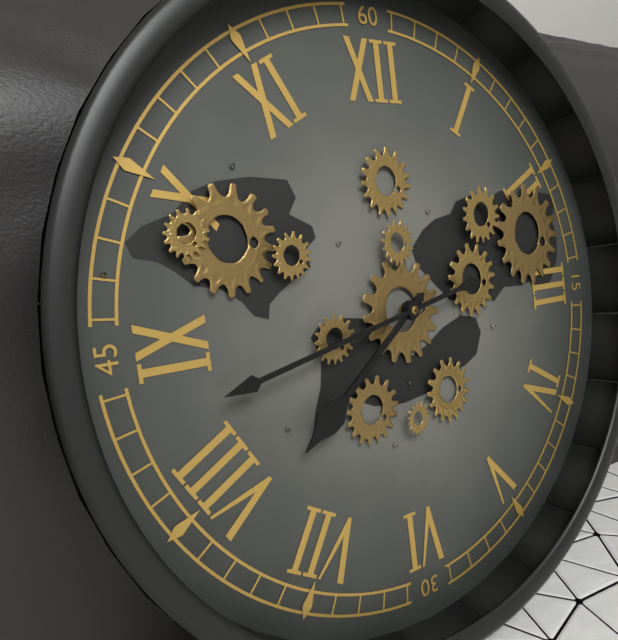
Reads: 7:43
